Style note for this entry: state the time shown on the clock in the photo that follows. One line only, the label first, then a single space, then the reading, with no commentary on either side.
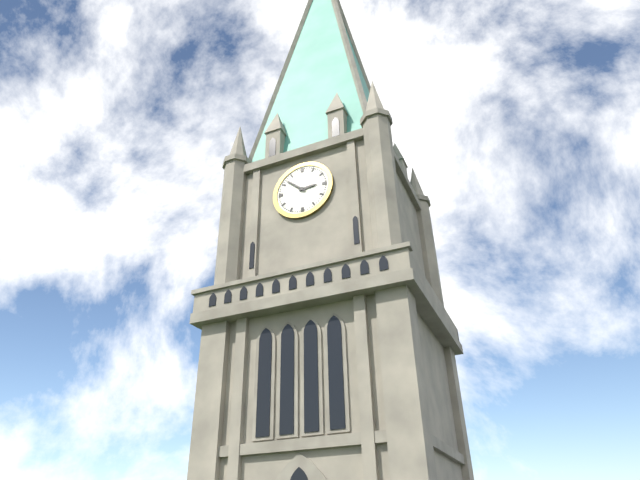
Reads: 2:52
